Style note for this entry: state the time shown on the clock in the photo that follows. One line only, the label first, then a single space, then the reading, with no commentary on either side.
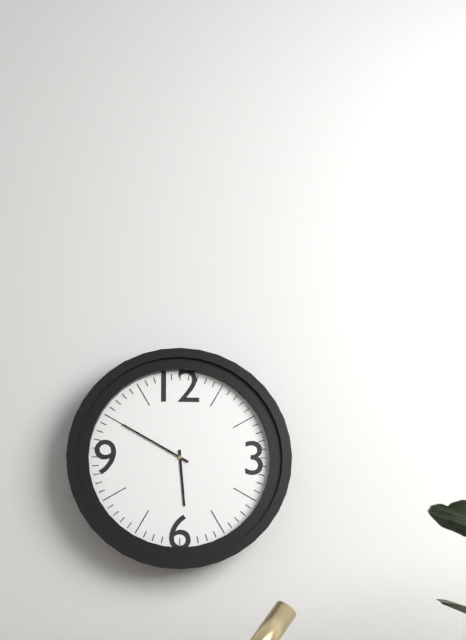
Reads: 5:50
